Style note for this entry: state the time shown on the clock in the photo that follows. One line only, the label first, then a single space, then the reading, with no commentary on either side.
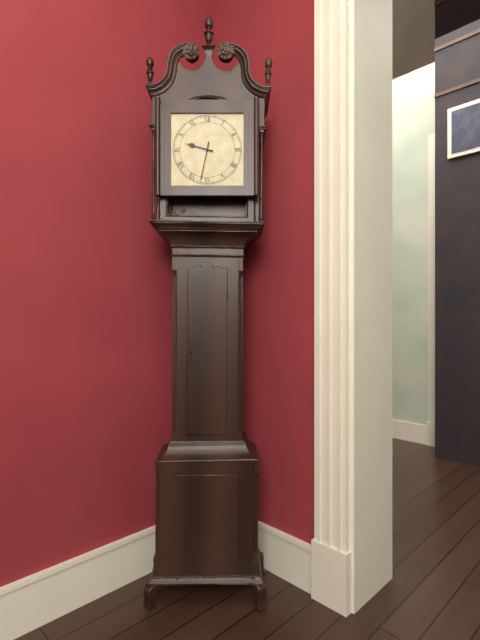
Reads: 9:32
